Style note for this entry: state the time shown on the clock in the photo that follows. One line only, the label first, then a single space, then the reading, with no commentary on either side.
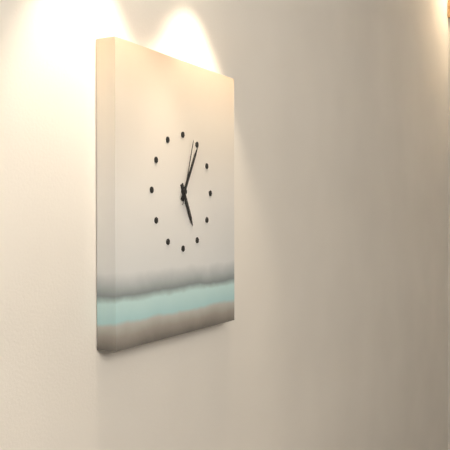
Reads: 5:05:03
